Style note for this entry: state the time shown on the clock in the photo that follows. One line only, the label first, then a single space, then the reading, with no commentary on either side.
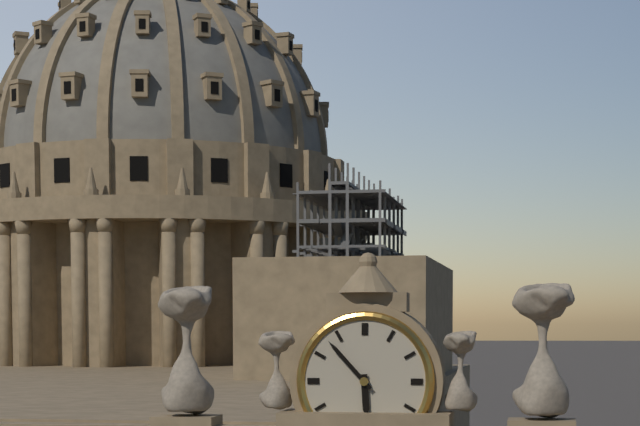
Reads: 5:53
